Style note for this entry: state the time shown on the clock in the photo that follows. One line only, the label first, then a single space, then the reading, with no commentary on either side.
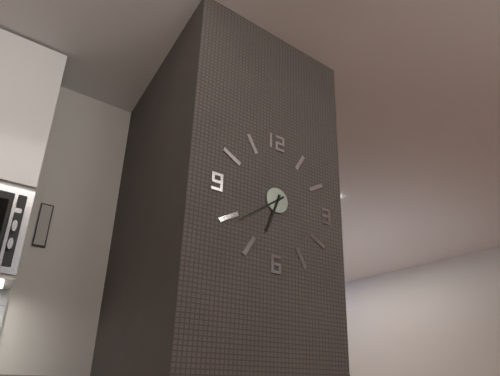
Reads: 6:39
